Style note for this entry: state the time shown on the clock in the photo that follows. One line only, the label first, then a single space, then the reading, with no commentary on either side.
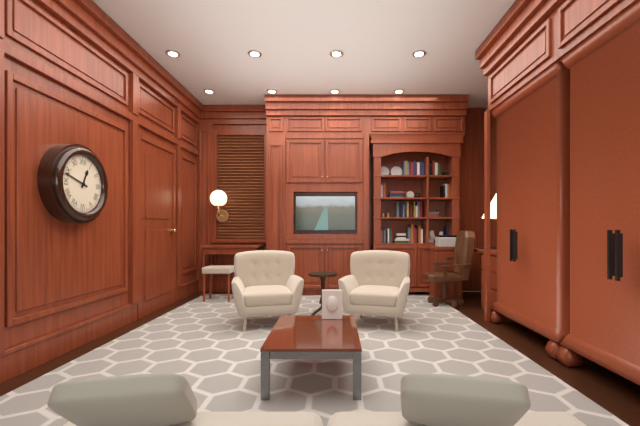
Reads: 12:48
